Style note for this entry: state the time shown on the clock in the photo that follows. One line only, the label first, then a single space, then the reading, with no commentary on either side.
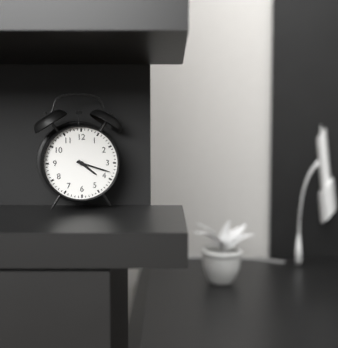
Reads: 4:18
